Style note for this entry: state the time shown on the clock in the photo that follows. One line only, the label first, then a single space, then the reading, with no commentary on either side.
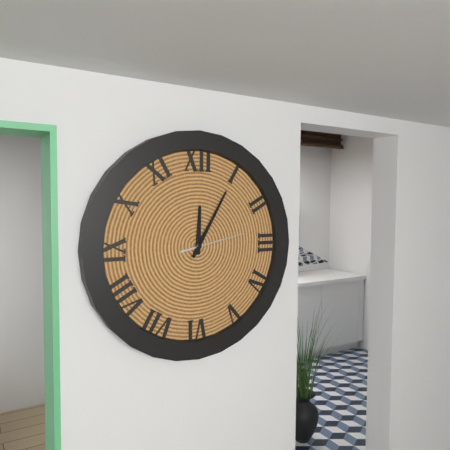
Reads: 12:05:13
